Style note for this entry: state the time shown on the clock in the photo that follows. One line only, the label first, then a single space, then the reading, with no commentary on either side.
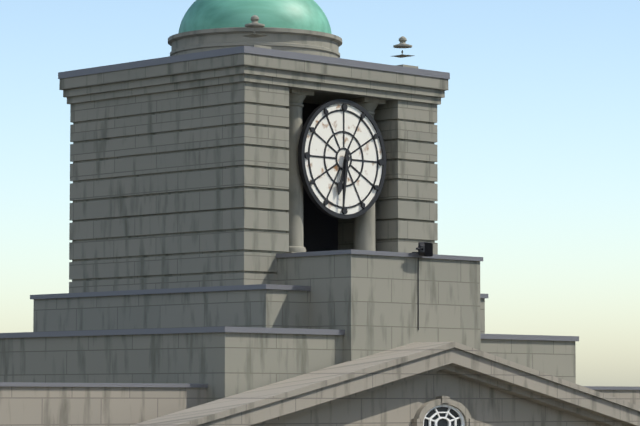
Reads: 6:31
